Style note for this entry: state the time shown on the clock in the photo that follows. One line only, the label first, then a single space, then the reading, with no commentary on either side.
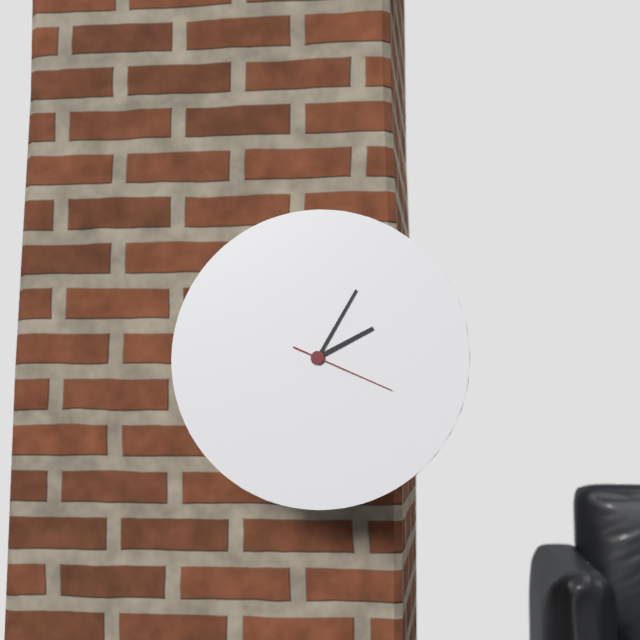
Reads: 2:05:19
